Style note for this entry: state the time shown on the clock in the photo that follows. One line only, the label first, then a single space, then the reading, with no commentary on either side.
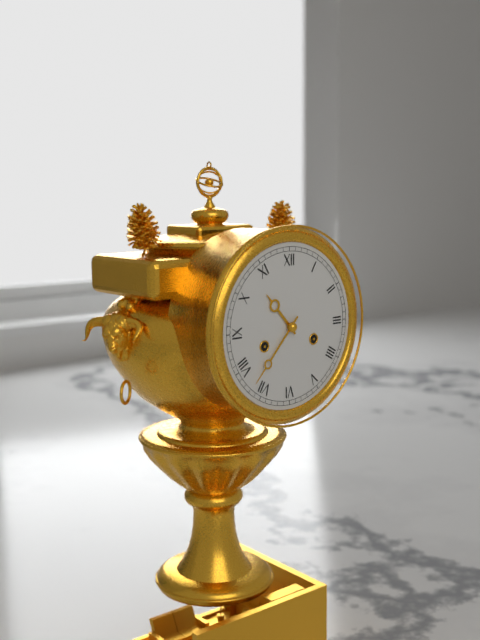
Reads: 10:37
